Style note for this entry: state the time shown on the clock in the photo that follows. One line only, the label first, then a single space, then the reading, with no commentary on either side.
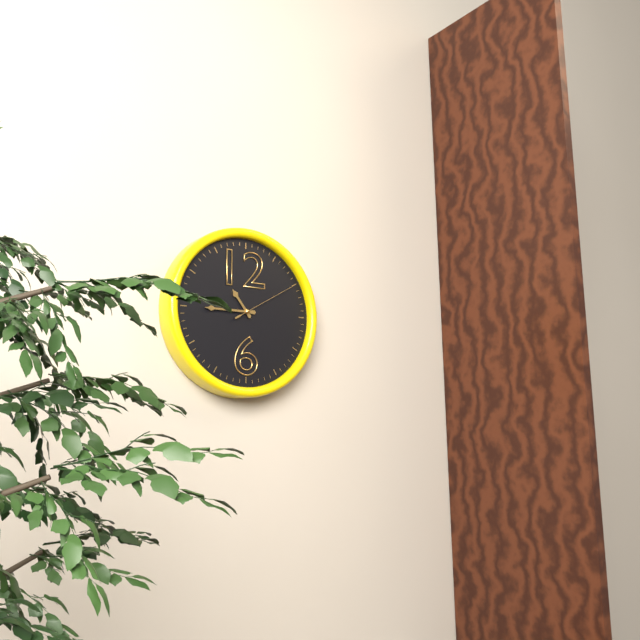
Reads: 10:45:10
